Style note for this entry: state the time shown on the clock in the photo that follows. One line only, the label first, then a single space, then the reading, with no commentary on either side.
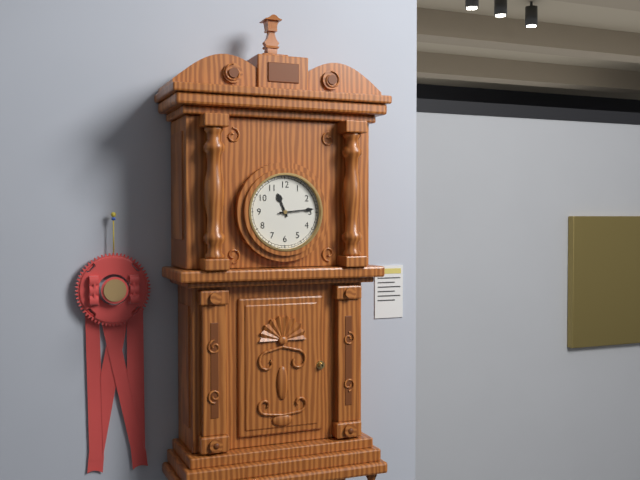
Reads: 11:14
